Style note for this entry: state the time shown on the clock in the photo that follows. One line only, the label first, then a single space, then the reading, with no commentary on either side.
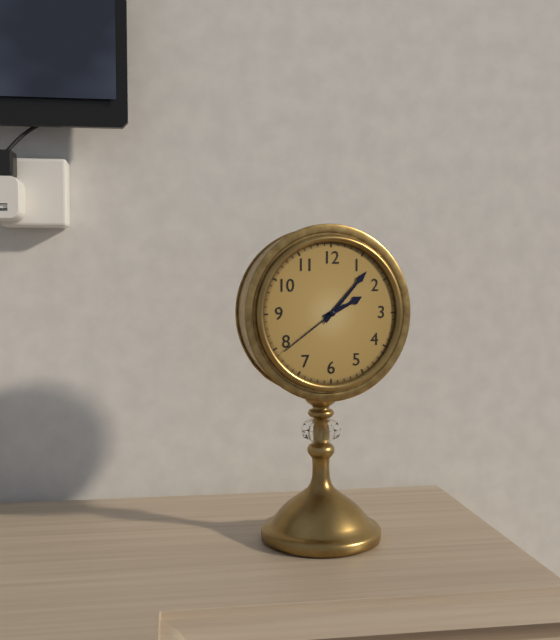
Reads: 2:07:39
